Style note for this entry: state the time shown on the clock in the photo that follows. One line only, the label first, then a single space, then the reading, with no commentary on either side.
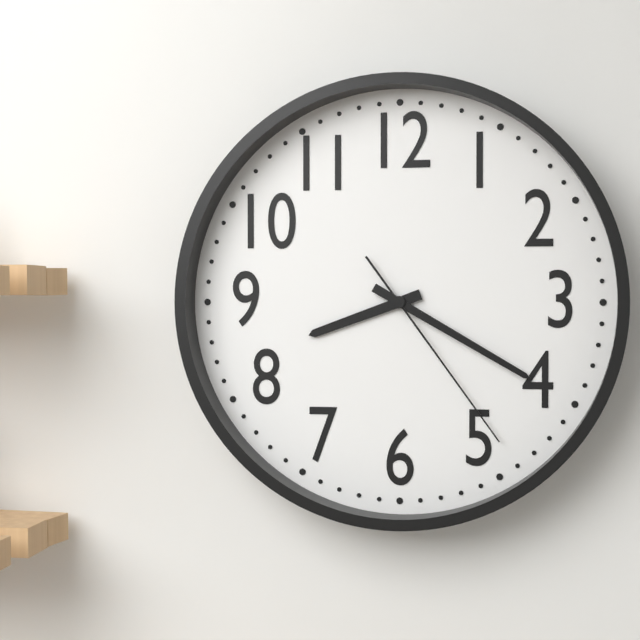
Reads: 8:20:24
